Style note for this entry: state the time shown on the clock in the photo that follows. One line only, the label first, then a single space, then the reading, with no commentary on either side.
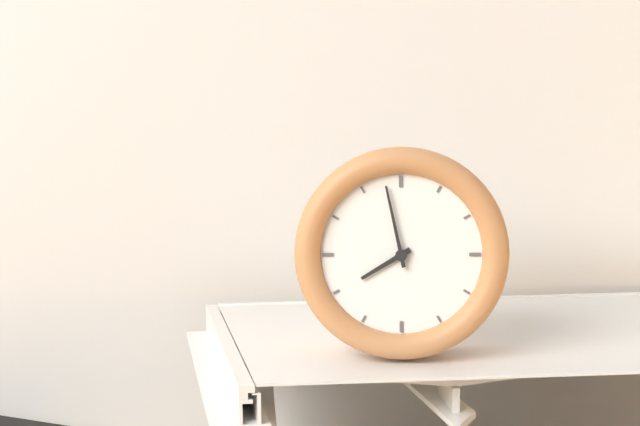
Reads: 7:58
